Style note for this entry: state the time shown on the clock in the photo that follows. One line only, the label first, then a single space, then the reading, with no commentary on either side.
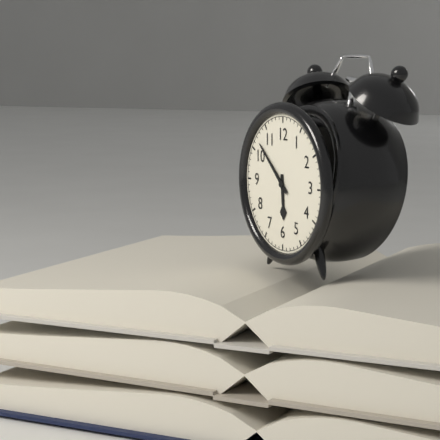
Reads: 5:52
